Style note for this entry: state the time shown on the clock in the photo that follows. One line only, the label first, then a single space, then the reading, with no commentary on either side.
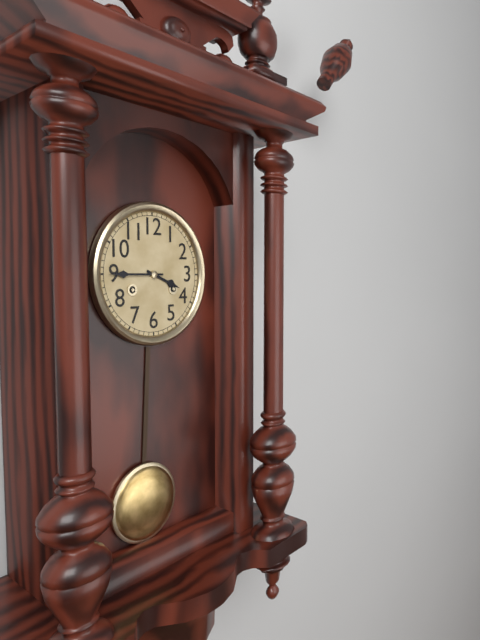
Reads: 3:45
